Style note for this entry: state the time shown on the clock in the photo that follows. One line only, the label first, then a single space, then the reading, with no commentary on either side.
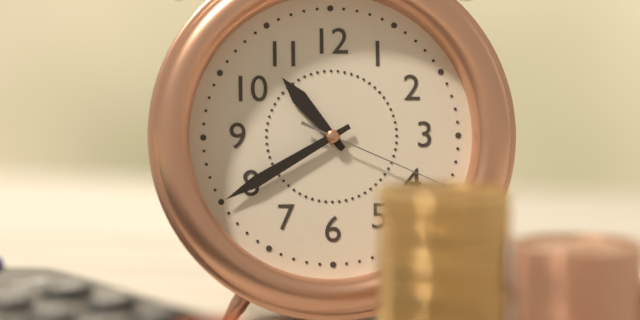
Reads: 10:40:19
